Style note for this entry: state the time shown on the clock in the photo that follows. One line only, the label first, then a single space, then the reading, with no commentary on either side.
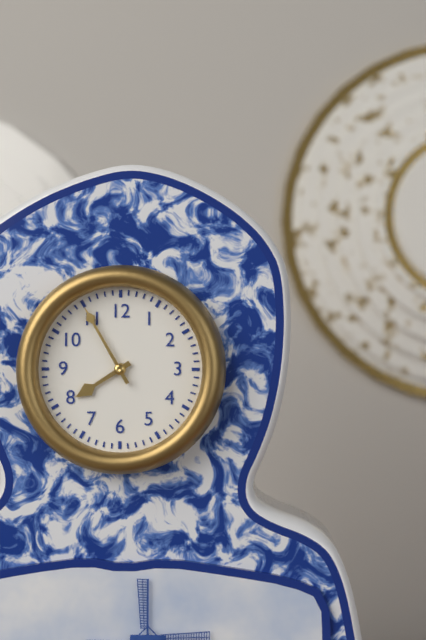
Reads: 7:55
